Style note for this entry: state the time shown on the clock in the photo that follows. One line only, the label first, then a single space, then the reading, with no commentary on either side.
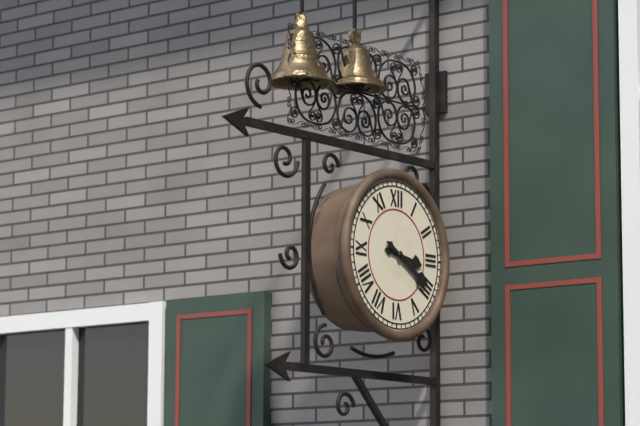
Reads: 3:20
